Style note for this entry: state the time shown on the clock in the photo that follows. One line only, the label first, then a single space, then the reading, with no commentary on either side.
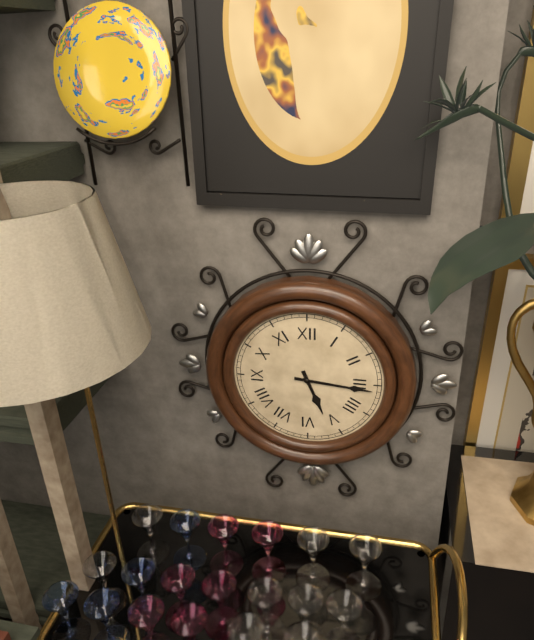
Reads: 5:16
